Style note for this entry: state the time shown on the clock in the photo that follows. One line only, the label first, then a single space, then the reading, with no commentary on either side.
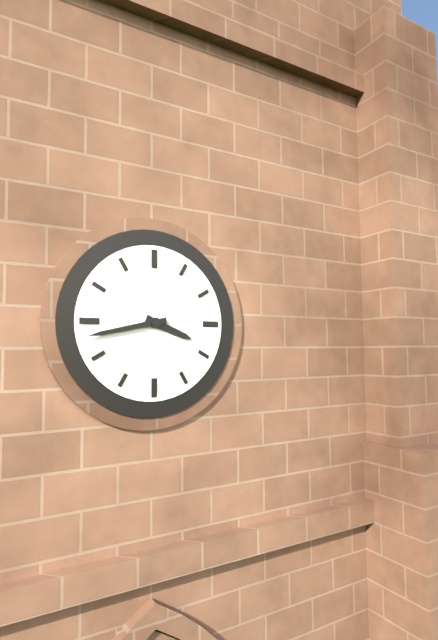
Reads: 3:43
